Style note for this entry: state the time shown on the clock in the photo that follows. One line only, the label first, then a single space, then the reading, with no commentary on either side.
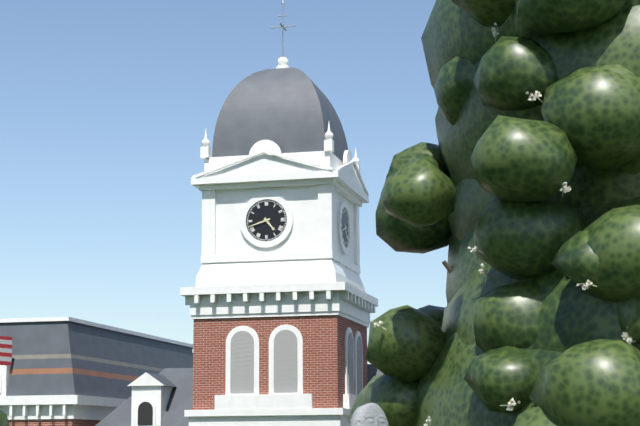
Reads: 4:42
